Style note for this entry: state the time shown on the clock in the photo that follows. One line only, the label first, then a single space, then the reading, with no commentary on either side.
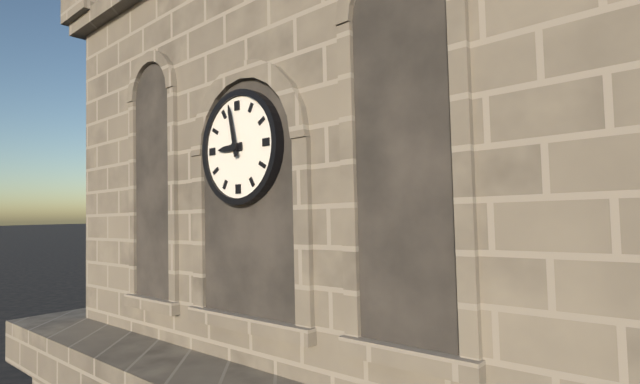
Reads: 8:58
